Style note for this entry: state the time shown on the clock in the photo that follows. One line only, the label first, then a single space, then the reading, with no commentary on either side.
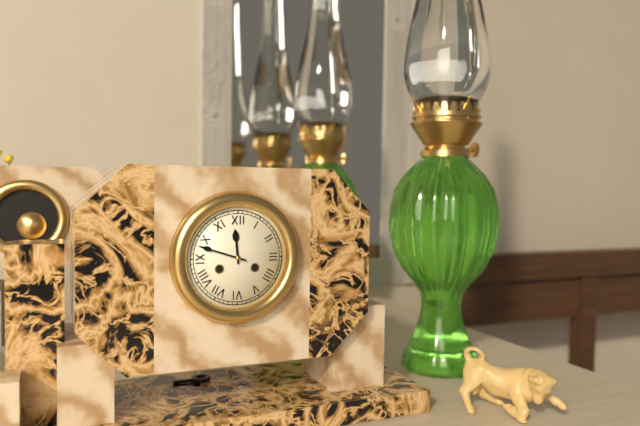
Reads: 11:48
